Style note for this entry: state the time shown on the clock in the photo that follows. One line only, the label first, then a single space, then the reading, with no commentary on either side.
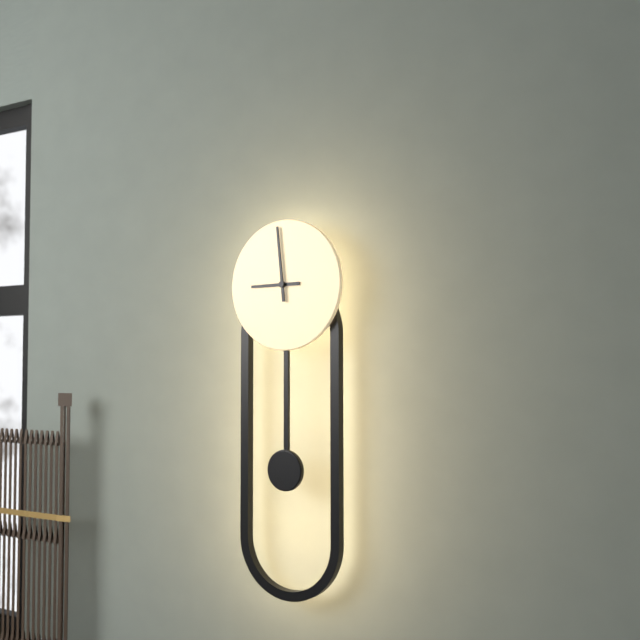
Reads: 8:59
